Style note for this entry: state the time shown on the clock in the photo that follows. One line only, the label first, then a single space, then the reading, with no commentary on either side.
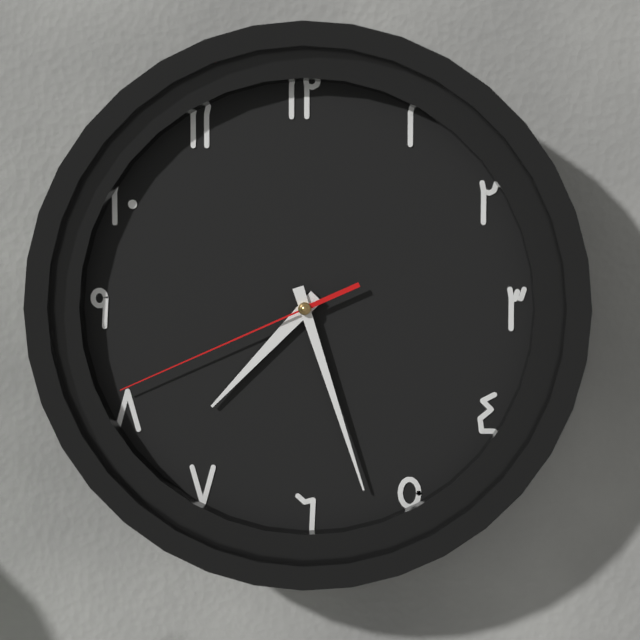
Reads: 7:27:41
